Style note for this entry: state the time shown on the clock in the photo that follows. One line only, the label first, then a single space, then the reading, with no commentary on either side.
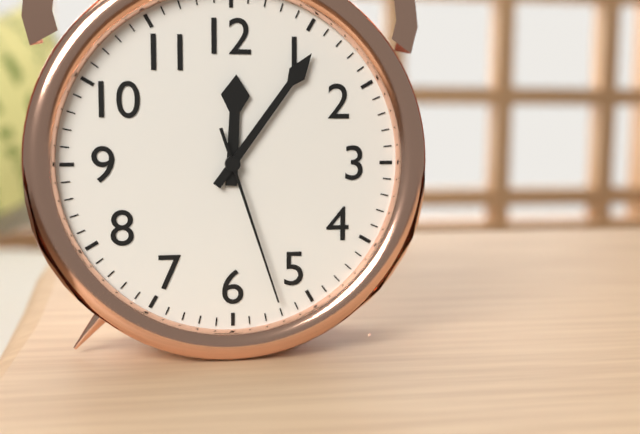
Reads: 12:06:27
